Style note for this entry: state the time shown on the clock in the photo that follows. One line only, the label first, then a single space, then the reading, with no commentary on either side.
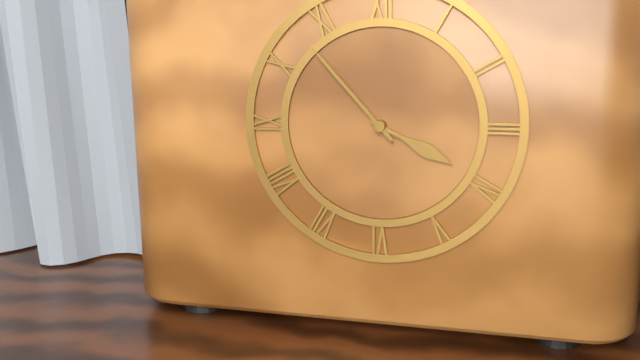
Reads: 3:53
